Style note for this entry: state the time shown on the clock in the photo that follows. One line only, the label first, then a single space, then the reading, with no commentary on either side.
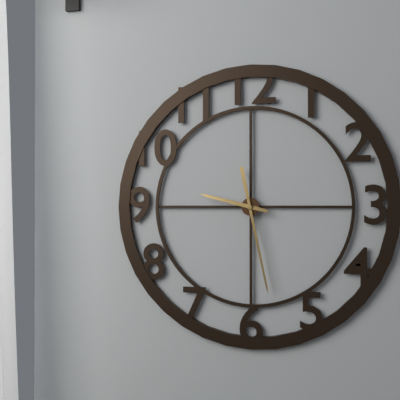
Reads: 9:28
